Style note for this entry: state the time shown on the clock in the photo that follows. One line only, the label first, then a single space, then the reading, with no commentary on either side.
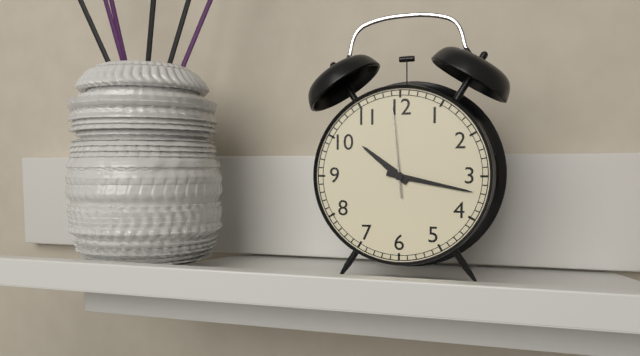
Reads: 10:17:59
